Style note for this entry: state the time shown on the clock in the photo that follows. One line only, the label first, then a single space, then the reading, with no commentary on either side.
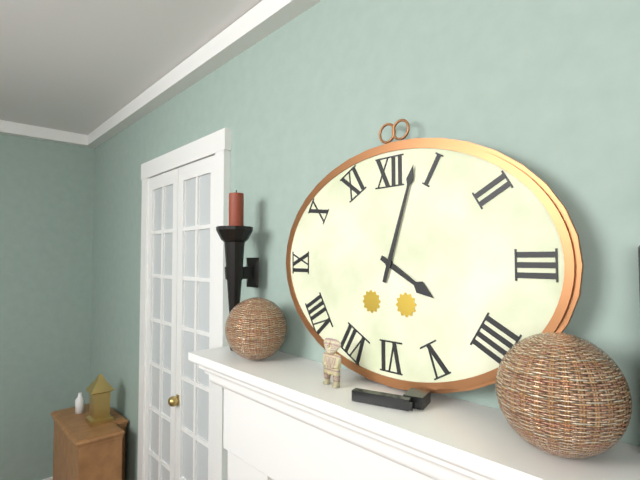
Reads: 4:03
